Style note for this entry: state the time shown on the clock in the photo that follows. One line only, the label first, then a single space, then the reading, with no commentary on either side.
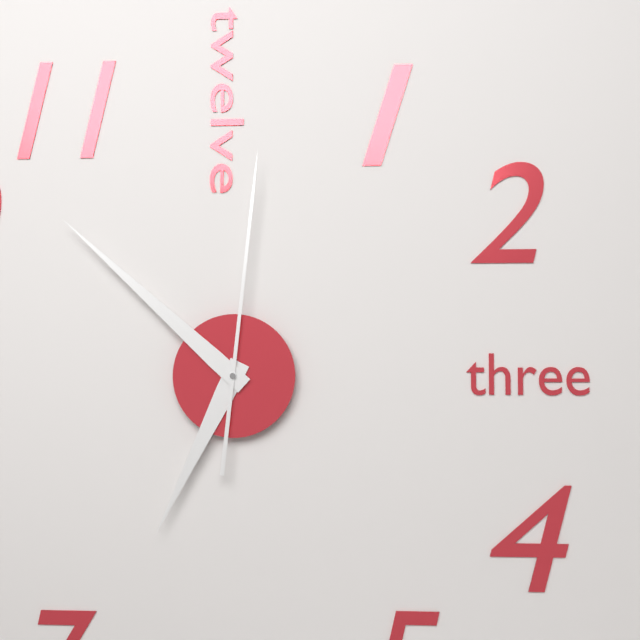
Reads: 6:52:01
